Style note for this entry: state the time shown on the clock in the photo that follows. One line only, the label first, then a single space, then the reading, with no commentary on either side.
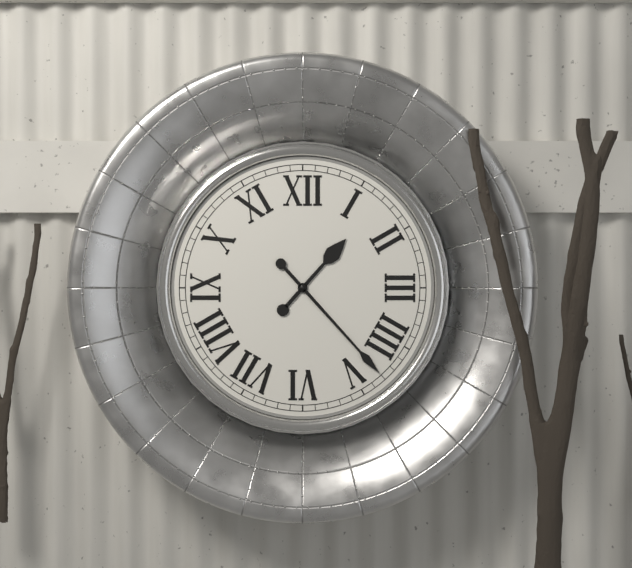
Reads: 1:23
